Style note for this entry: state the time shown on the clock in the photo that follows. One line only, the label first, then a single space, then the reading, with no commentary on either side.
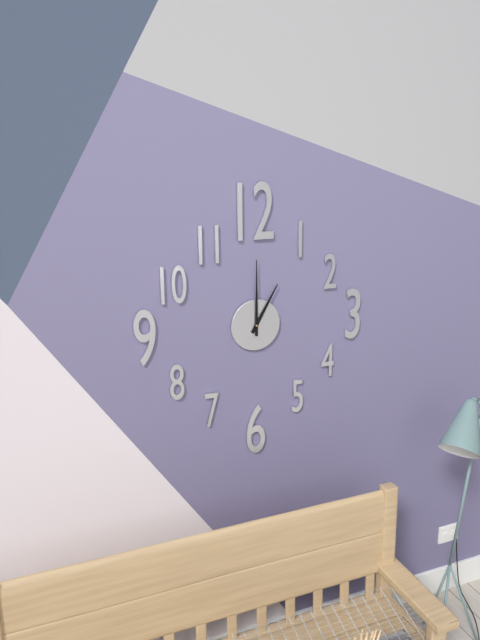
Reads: 1:00
